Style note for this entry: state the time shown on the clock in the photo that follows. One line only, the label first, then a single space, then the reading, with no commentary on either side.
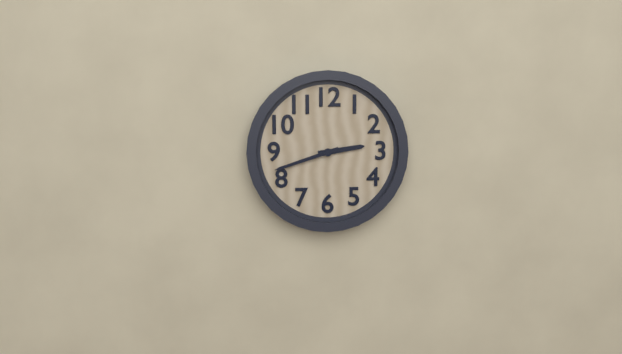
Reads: 2:42
